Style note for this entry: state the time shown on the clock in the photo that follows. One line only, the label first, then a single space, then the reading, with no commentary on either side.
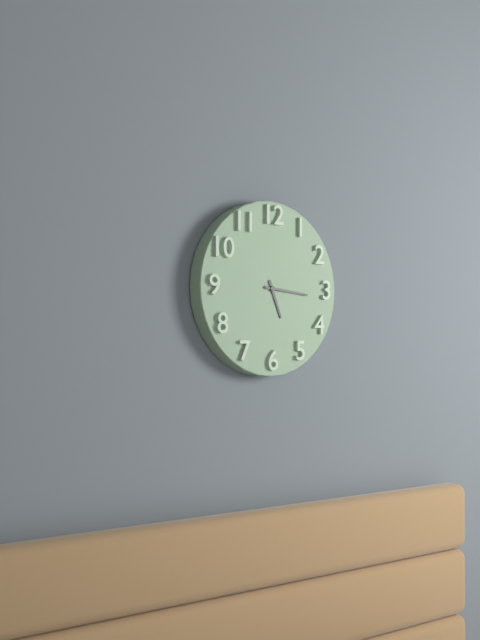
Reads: 5:16
